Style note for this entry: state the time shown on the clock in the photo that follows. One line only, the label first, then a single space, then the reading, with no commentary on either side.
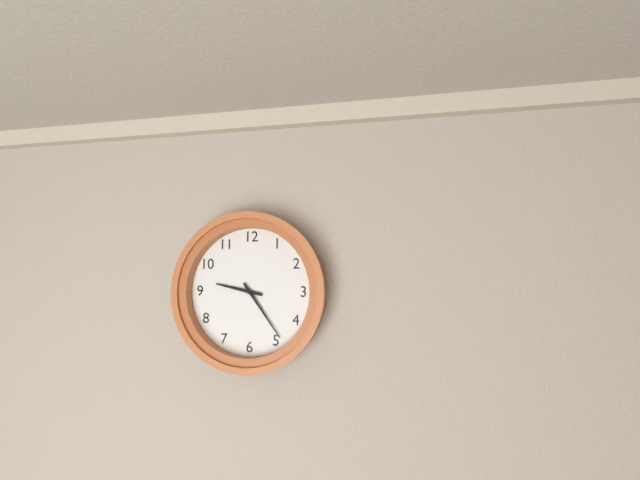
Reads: 9:24
